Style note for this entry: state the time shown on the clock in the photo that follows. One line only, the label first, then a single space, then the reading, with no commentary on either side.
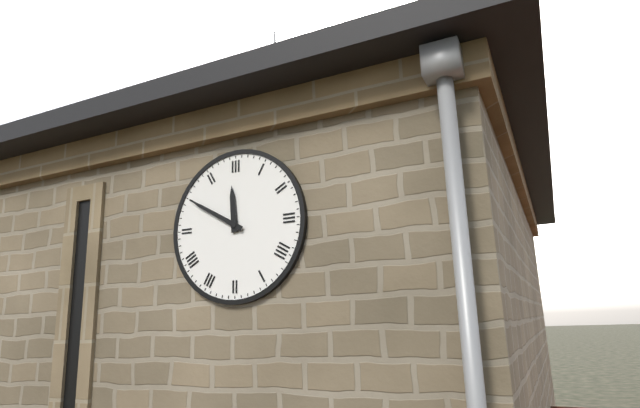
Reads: 11:50
